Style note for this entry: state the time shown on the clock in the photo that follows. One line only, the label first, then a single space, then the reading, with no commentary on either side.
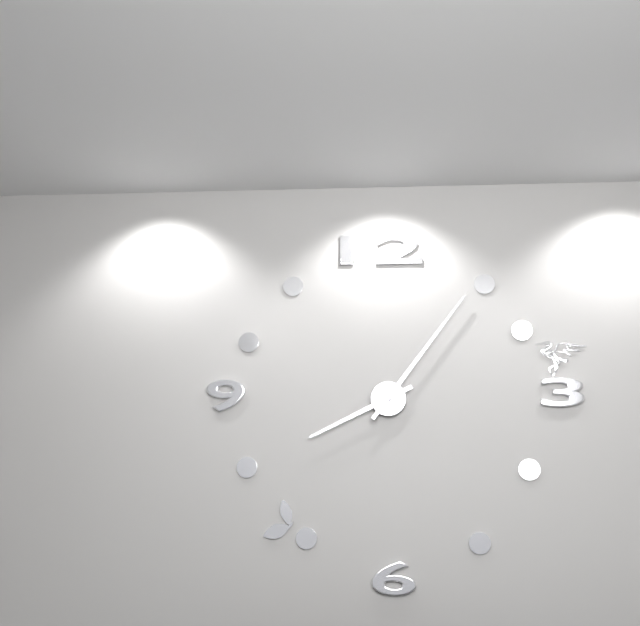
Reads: 8:06
